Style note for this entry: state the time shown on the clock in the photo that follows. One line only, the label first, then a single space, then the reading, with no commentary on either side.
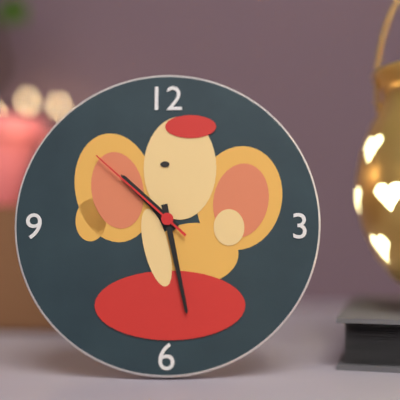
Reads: 10:28:52
